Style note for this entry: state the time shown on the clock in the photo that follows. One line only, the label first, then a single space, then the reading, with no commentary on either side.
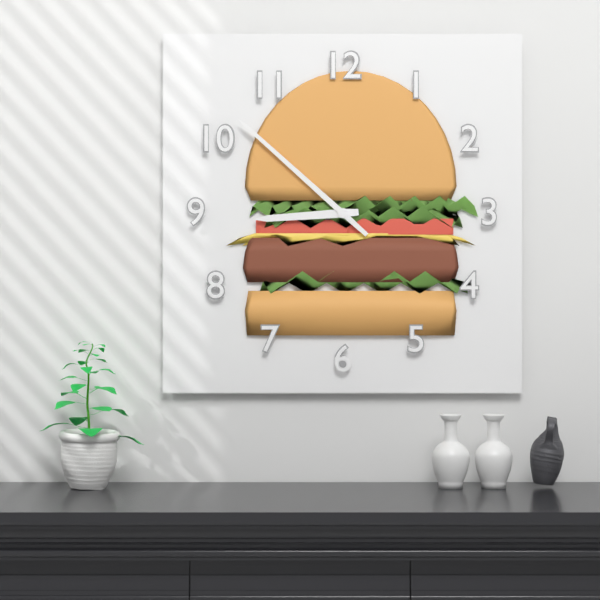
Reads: 8:52
